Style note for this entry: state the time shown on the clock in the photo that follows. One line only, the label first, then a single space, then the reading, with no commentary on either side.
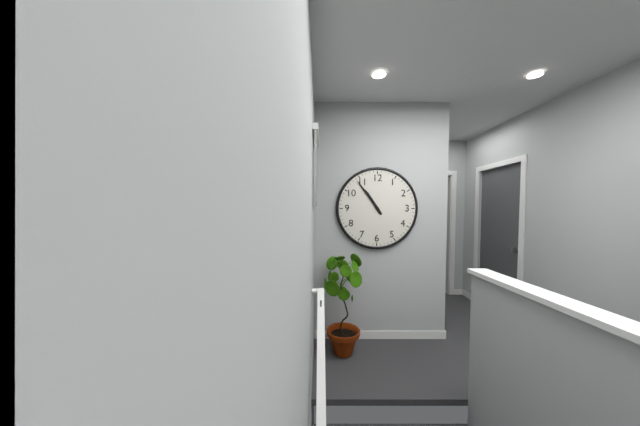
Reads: 10:54
